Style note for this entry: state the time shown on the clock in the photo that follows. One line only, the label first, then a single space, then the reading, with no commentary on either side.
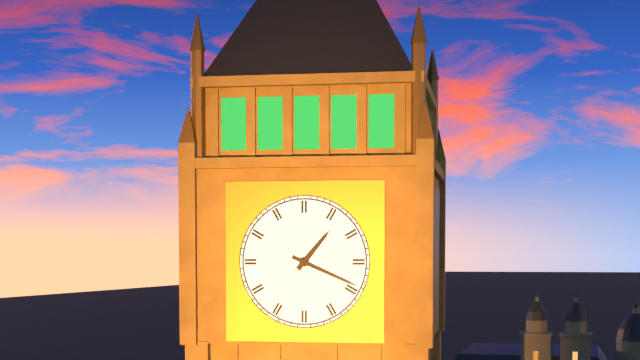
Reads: 1:19
